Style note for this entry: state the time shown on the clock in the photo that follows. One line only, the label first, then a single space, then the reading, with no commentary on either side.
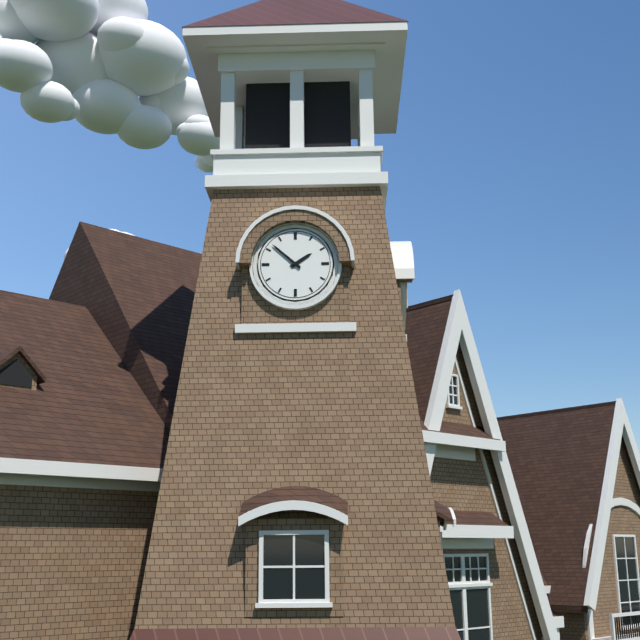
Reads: 1:52
